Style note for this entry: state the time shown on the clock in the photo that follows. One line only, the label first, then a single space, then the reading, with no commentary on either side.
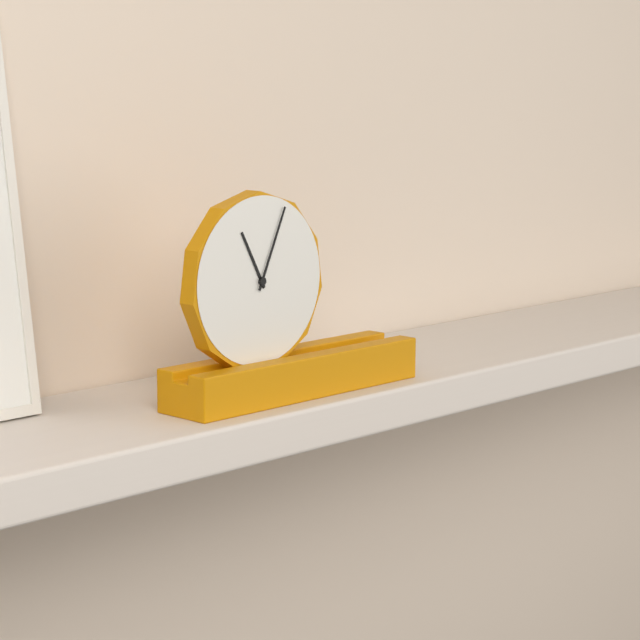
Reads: 11:04
